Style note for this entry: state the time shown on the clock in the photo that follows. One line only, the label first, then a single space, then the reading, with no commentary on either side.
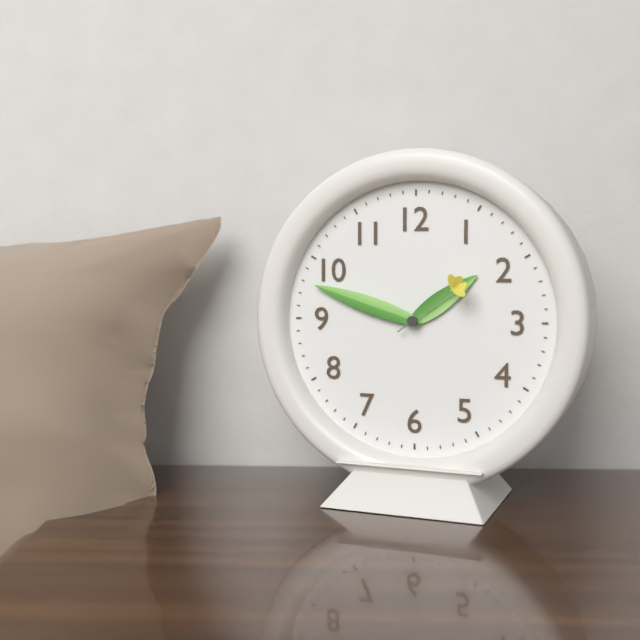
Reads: 1:48:09
